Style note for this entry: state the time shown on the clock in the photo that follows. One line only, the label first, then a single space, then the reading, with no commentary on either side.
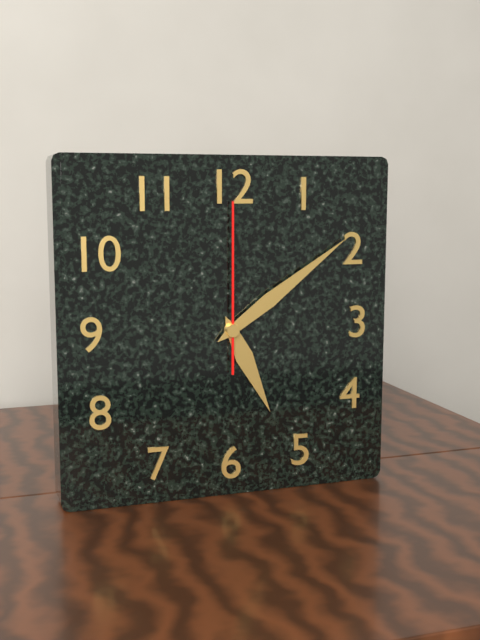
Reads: 5:09:00
